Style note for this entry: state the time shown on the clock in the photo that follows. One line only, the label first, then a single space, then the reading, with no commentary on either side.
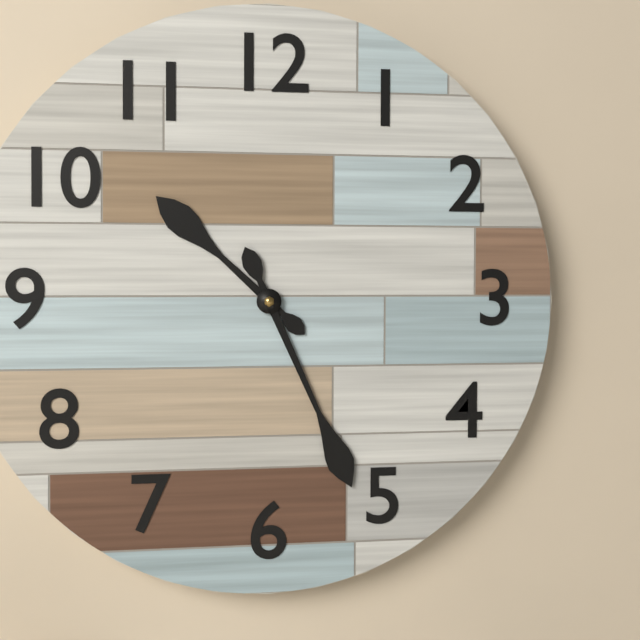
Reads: 10:26
